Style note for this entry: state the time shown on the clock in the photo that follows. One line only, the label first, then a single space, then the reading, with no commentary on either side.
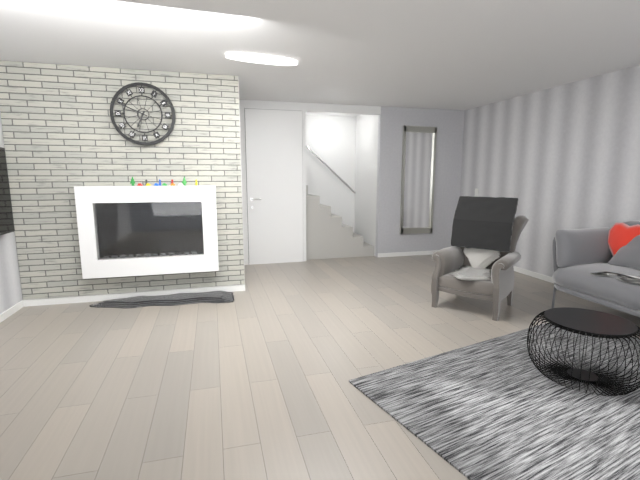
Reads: 6:49
